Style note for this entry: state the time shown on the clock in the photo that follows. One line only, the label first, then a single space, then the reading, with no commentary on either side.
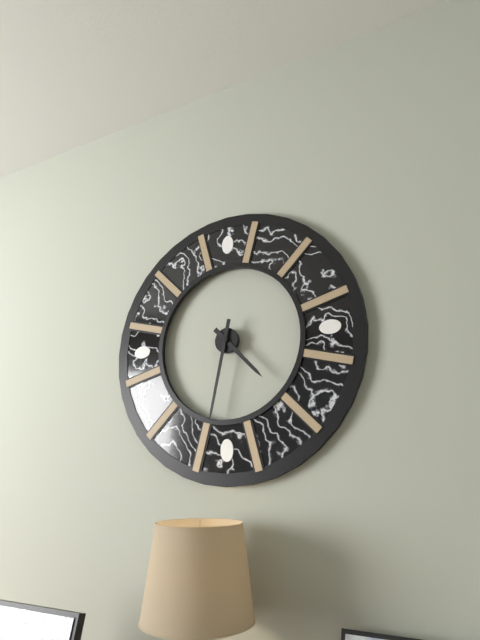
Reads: 4:32
